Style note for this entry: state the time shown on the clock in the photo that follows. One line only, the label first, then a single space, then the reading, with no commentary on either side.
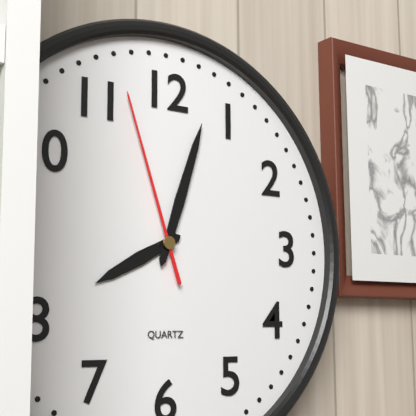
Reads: 8:03:57
